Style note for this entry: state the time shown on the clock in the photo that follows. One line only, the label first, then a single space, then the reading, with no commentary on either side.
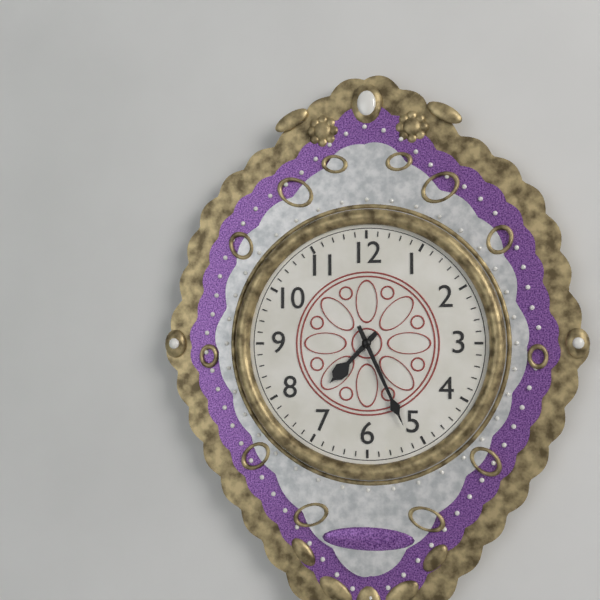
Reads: 7:26
